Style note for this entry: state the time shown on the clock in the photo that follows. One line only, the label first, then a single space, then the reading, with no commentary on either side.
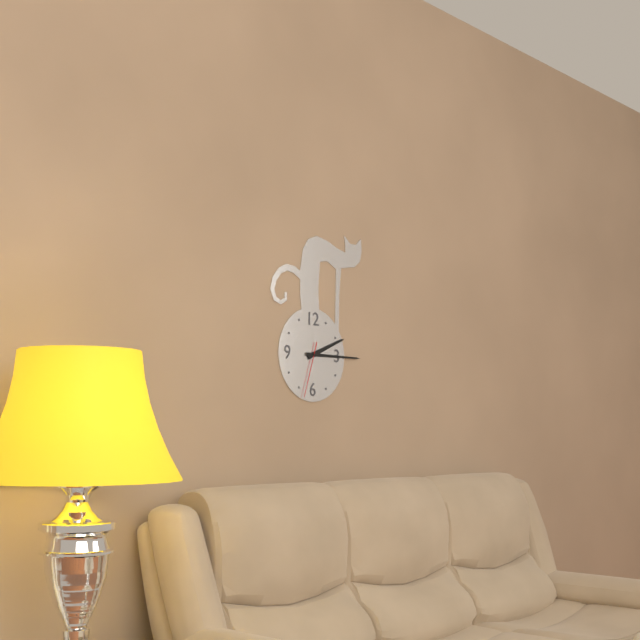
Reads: 2:15:33
